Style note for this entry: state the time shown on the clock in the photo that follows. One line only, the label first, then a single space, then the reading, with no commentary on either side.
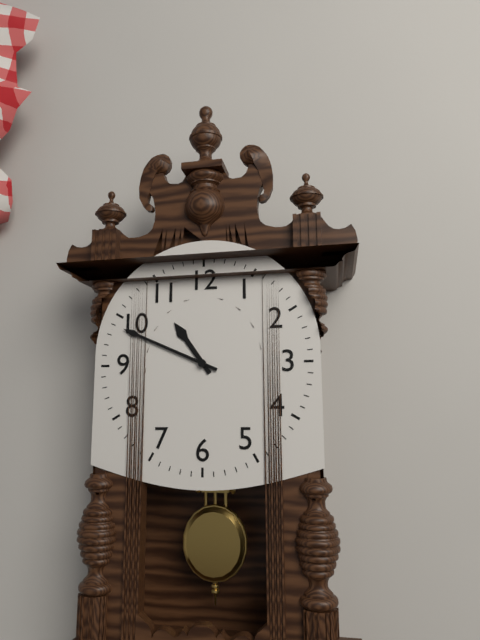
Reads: 10:49
